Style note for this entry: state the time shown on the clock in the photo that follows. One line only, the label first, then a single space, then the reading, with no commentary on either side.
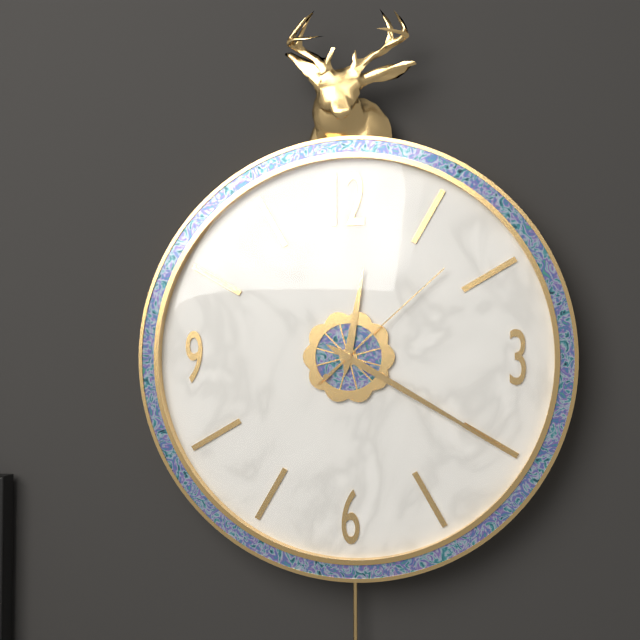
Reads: 12:20:08
